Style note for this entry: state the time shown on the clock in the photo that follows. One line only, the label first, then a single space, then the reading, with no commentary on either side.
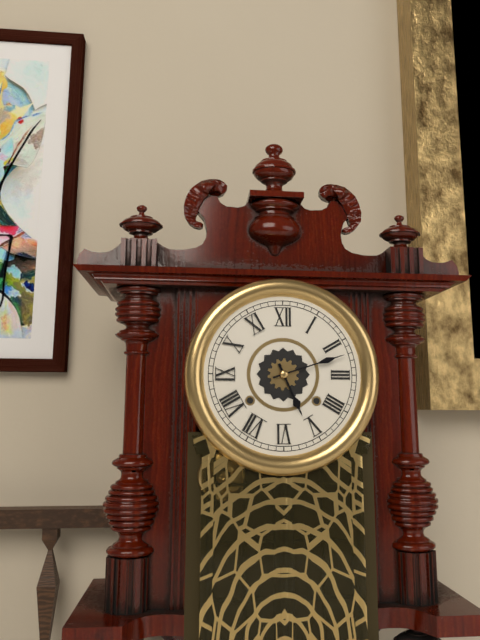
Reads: 5:12
